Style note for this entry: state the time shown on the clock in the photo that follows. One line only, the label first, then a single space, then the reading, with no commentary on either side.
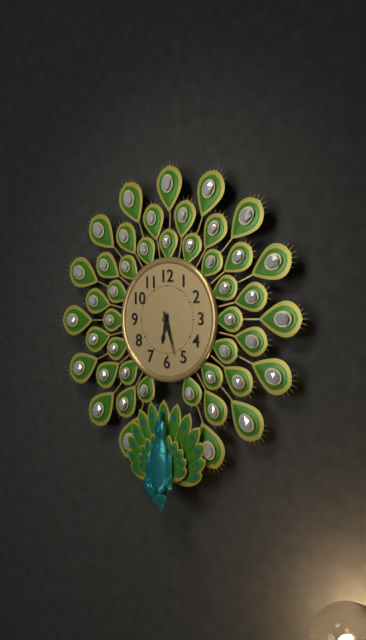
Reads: 6:27
